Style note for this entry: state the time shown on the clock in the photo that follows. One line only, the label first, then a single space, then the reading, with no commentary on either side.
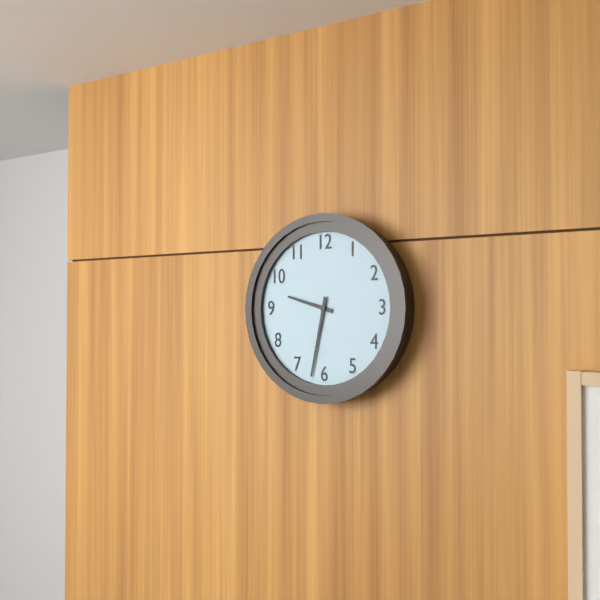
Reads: 9:32
